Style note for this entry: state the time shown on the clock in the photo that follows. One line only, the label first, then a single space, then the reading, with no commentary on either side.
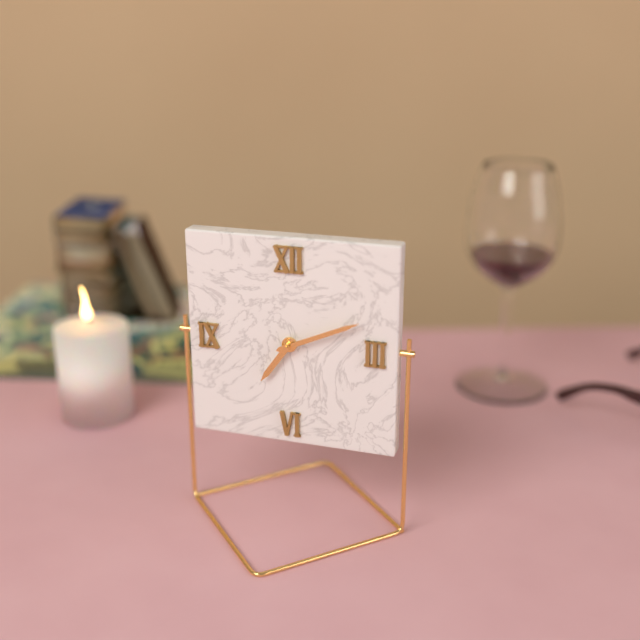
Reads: 7:11
